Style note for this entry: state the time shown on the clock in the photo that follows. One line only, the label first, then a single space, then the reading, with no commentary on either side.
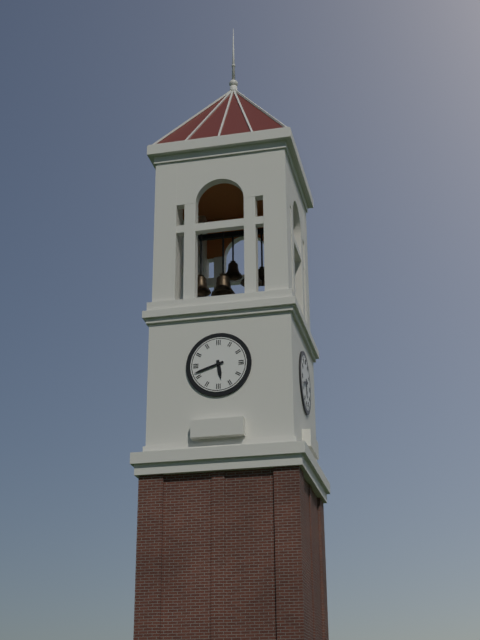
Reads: 5:42
